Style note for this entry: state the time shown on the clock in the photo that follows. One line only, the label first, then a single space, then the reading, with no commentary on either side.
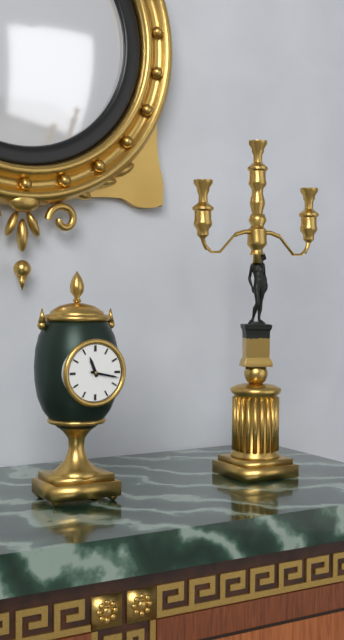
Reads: 11:17
